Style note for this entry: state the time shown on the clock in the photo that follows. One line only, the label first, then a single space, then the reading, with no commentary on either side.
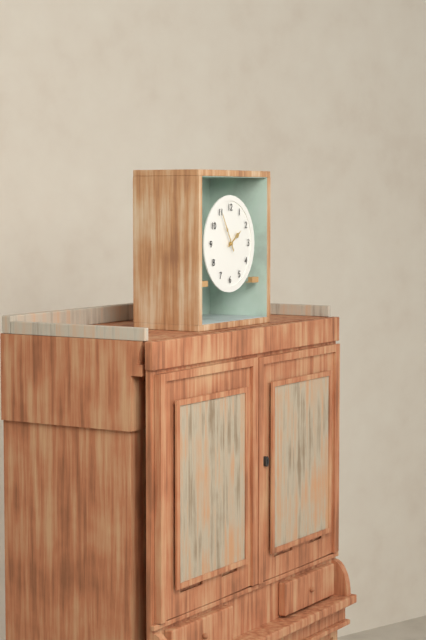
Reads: 1:55
